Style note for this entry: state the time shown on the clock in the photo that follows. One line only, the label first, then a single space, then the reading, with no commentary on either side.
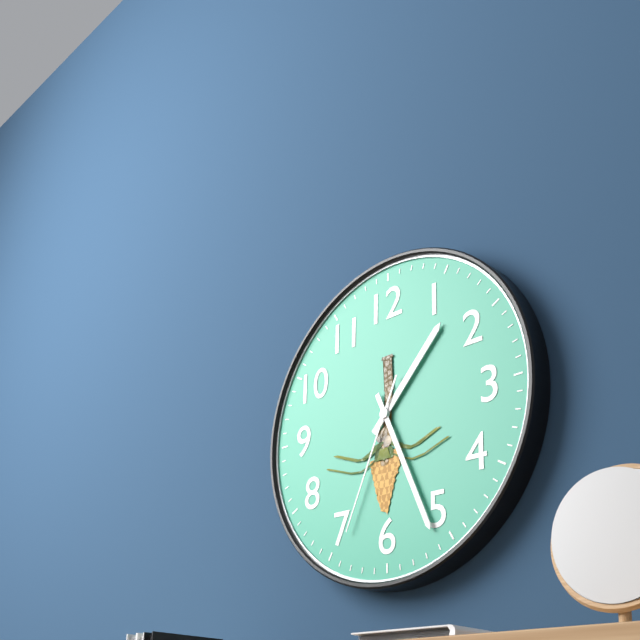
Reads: 1:26:34
